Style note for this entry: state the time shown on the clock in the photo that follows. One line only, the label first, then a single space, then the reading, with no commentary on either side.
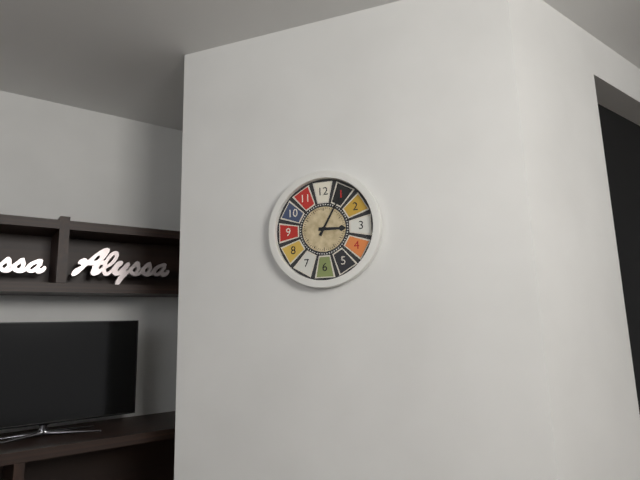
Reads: 3:05
